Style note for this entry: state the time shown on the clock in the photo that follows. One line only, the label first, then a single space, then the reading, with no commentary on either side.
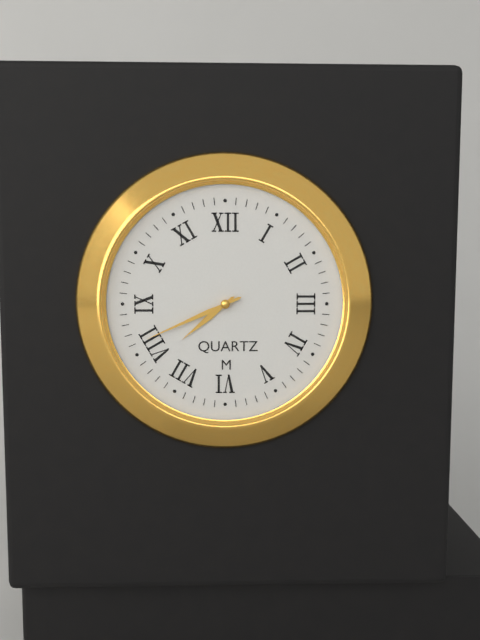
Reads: 7:41
